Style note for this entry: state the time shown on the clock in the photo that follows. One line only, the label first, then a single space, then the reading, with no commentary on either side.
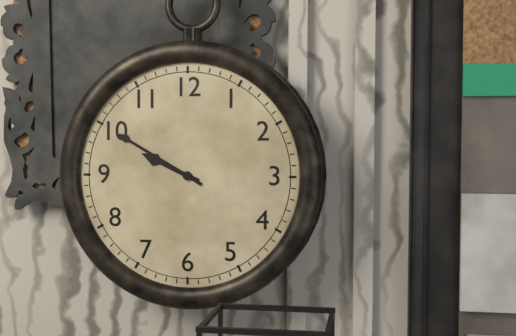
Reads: 9:50
